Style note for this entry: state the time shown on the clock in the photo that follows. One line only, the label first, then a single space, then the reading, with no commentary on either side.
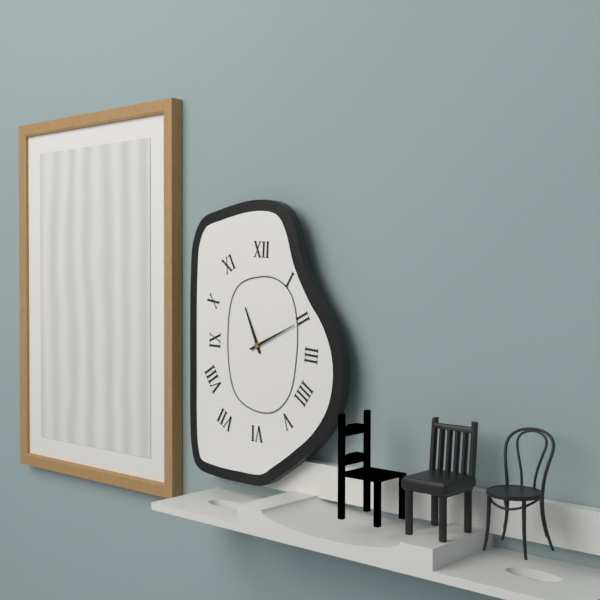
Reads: 11:11
